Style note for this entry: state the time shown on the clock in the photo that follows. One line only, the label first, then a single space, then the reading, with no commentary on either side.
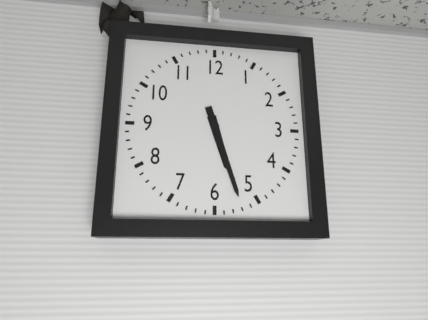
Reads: 5:27
